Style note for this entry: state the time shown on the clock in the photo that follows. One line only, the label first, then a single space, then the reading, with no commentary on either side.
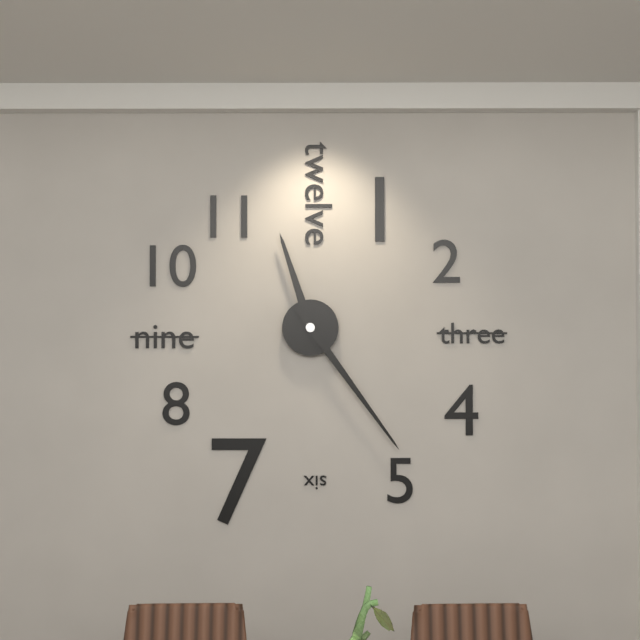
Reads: 11:24
